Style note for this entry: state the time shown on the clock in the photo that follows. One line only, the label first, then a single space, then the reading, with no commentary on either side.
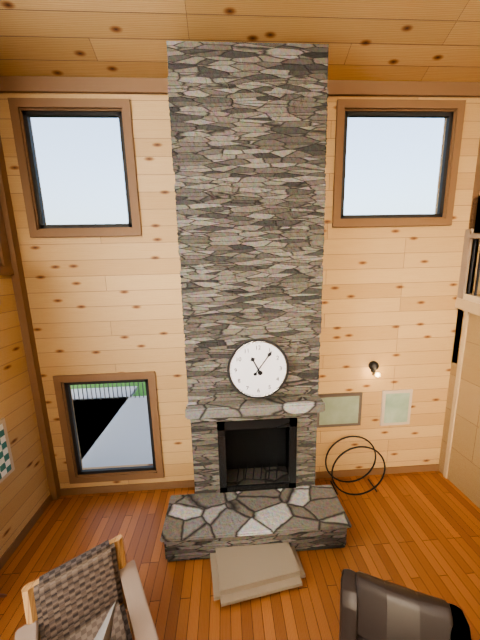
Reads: 11:06
